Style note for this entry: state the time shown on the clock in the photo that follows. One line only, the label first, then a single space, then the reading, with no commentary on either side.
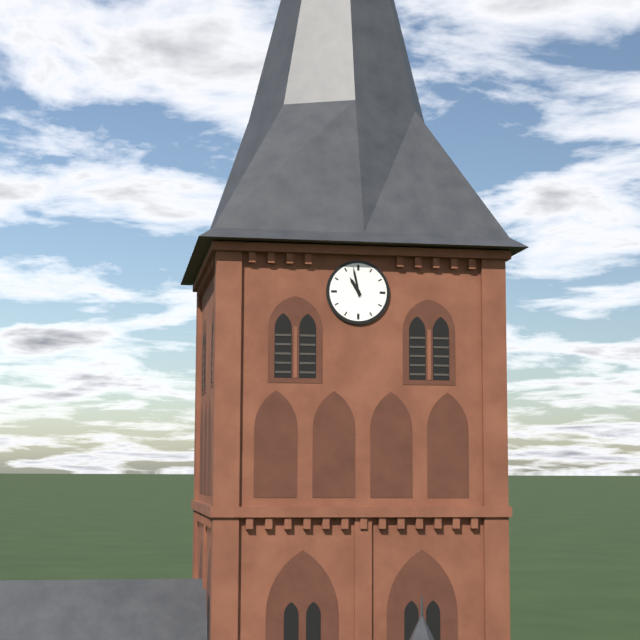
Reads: 10:58
